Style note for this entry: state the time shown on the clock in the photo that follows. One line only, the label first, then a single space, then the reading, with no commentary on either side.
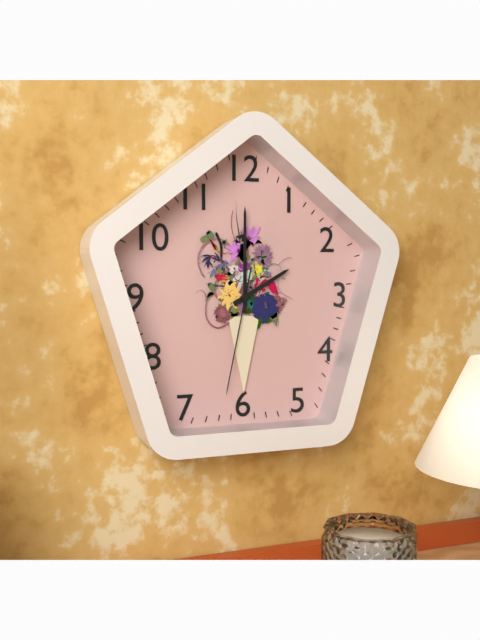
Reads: 2:00:32
